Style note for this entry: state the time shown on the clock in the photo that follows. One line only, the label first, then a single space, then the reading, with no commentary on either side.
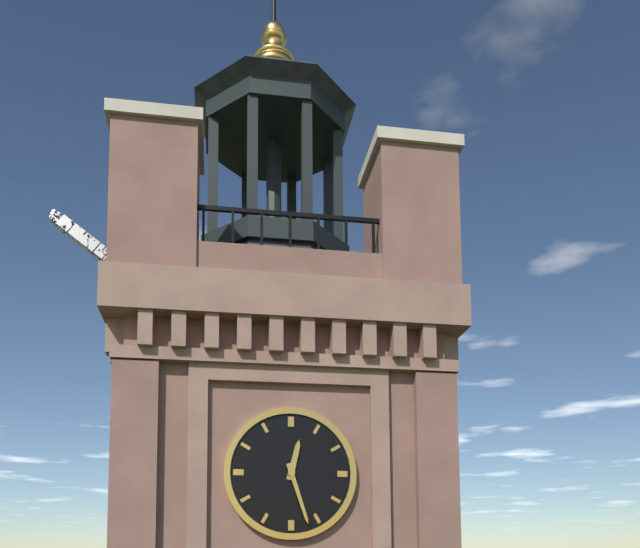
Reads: 12:27
